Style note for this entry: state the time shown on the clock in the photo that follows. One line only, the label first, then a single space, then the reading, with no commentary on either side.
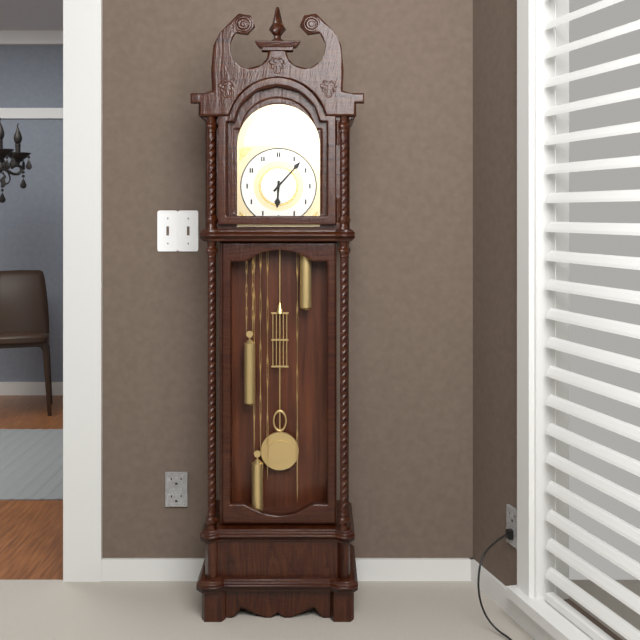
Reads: 6:07
